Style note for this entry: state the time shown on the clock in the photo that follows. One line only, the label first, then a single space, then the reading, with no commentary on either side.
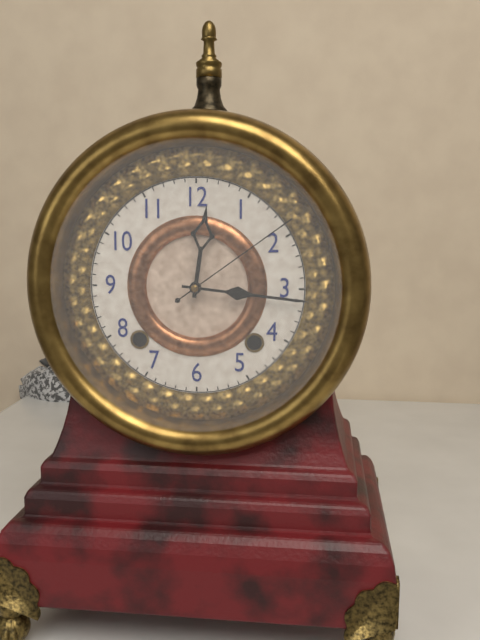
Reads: 12:16:09
